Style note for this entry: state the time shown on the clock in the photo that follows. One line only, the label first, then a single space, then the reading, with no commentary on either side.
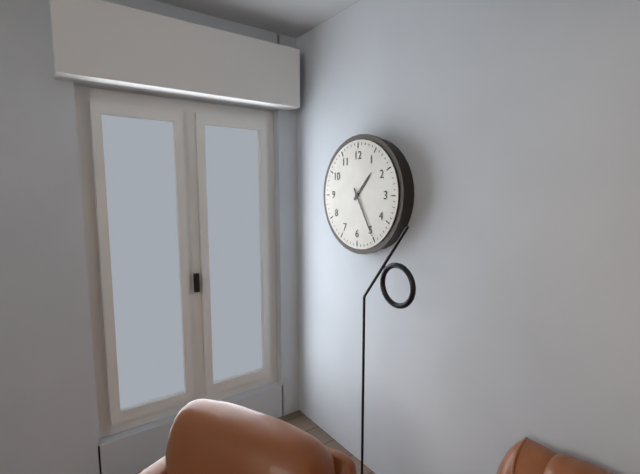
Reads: 1:25
